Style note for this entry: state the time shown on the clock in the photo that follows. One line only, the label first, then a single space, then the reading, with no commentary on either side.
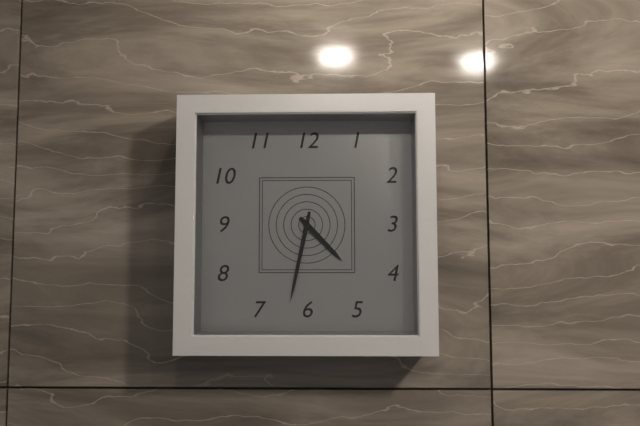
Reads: 4:32
